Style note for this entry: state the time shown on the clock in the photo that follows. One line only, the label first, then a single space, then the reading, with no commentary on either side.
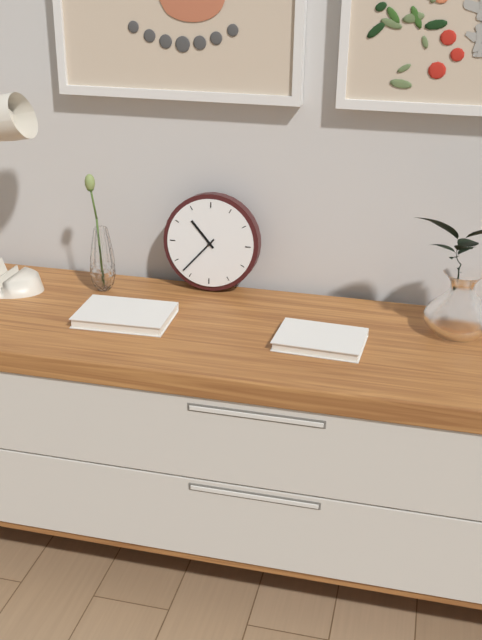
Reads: 10:37
